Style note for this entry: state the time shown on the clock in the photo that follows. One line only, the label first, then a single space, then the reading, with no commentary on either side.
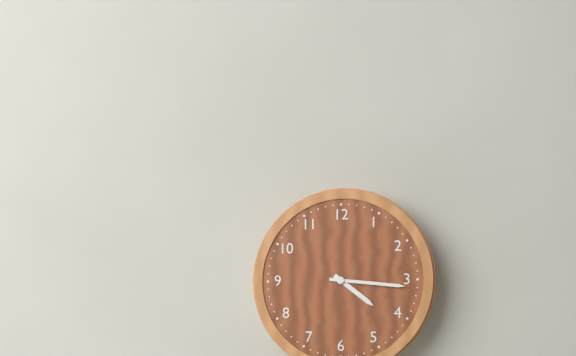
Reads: 4:16
